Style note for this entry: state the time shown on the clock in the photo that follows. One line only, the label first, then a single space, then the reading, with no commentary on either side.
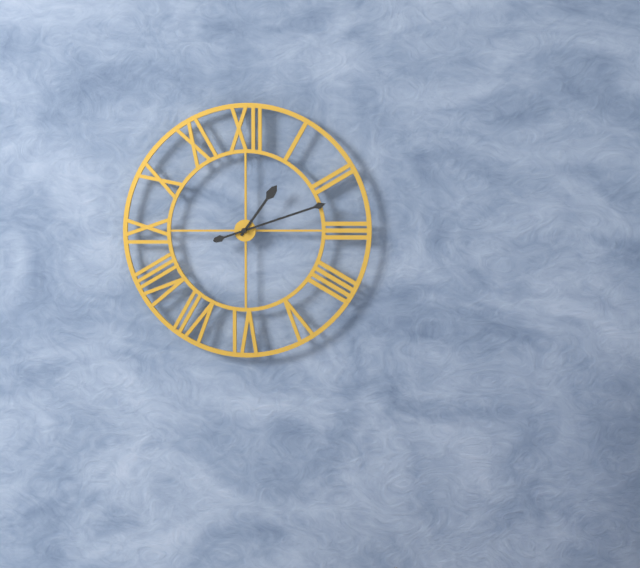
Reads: 1:12
